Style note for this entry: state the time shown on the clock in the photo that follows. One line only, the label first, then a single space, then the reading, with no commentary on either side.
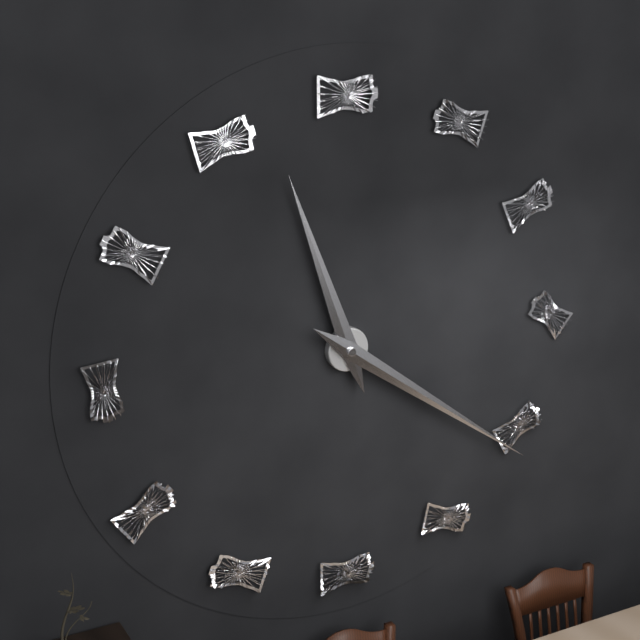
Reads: 11:21
